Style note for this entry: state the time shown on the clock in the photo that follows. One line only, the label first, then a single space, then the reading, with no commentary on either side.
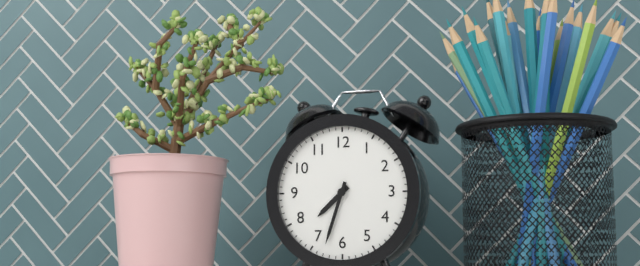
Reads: 7:33
